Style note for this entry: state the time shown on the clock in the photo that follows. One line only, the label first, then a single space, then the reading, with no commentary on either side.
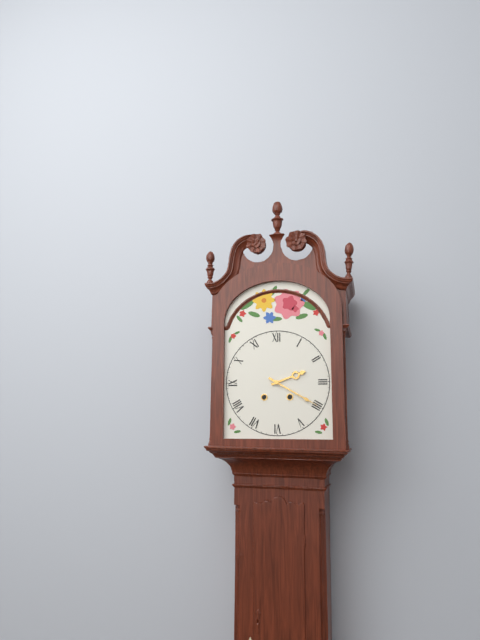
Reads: 2:20
